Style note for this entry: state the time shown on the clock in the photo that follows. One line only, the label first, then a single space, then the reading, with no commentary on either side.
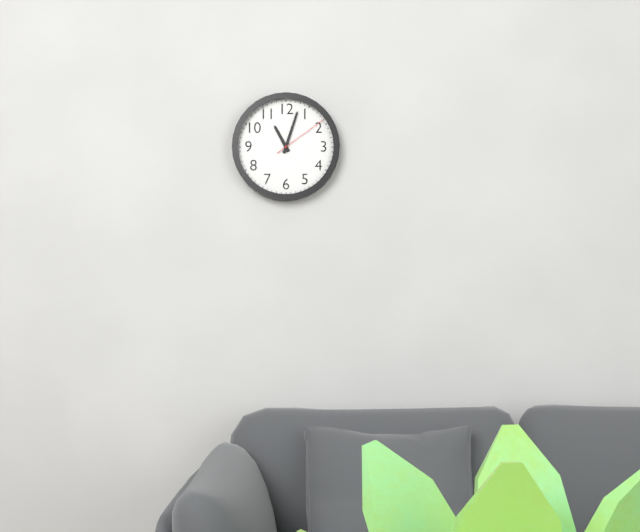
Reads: 11:03:09
